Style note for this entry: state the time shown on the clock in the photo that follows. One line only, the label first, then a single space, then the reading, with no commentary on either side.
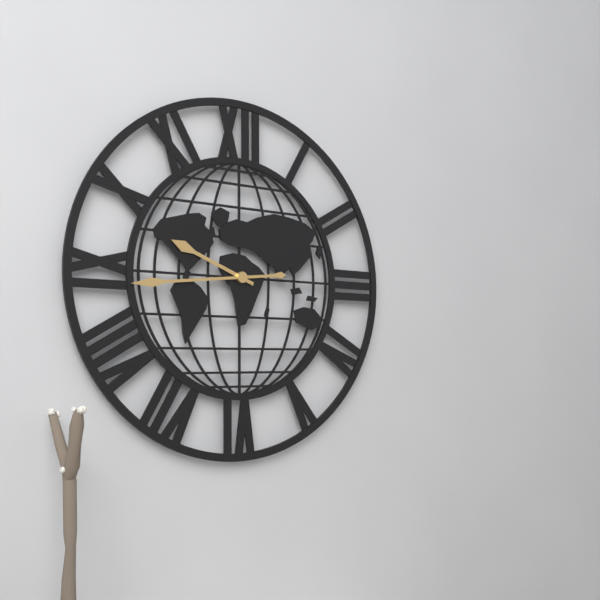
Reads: 9:44
